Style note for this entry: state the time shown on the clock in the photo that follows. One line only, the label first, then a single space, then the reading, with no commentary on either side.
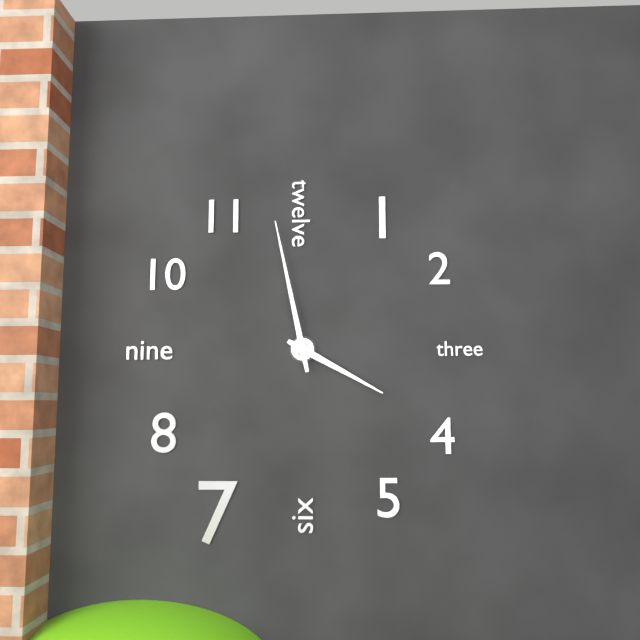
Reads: 3:58
